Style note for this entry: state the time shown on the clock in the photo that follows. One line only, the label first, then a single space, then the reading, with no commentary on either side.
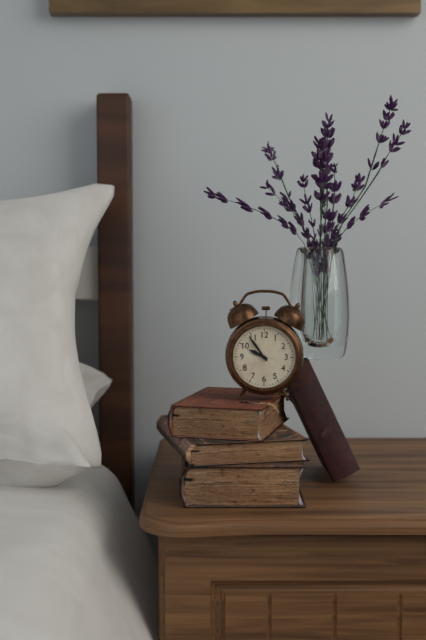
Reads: 9:54
